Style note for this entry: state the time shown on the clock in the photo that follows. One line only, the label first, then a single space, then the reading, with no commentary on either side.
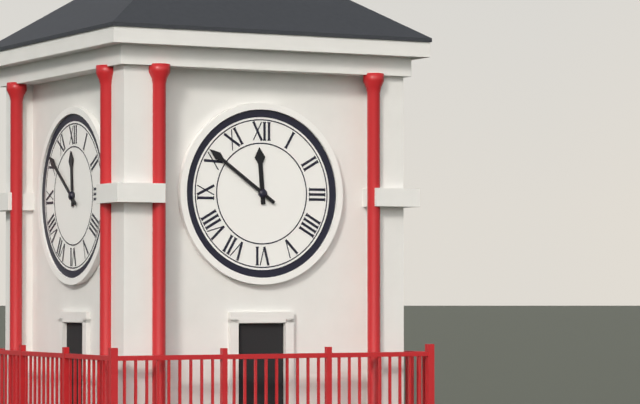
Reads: 11:51
